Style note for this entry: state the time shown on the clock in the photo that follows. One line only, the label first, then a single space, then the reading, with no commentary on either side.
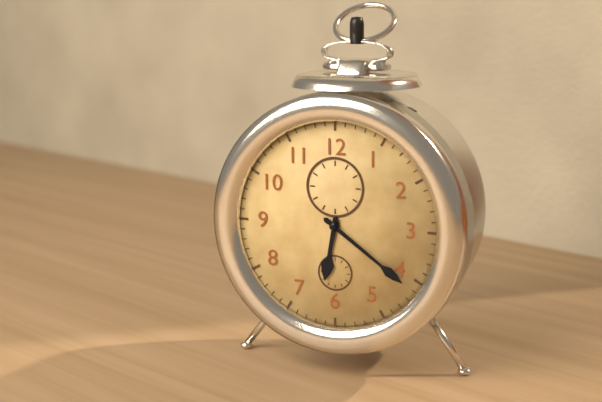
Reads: 6:21
